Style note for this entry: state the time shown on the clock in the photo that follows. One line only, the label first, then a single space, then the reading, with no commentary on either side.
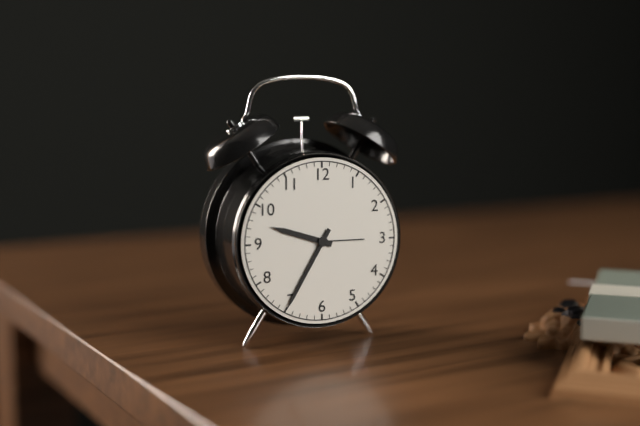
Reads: 9:35
